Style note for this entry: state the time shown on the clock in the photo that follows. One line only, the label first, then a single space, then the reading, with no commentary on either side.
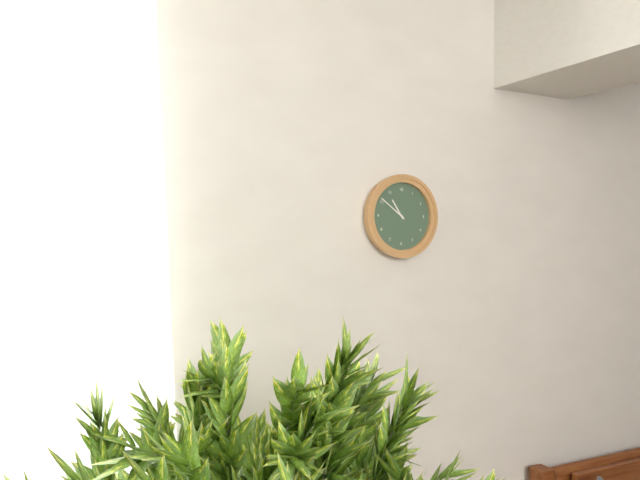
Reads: 10:51
